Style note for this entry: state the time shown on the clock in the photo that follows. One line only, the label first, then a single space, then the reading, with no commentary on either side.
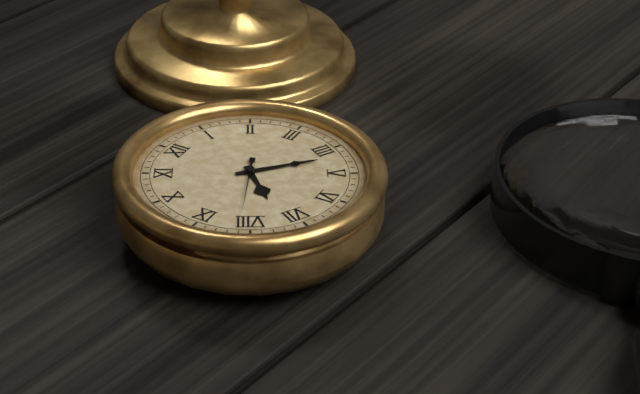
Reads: 7:22:41
